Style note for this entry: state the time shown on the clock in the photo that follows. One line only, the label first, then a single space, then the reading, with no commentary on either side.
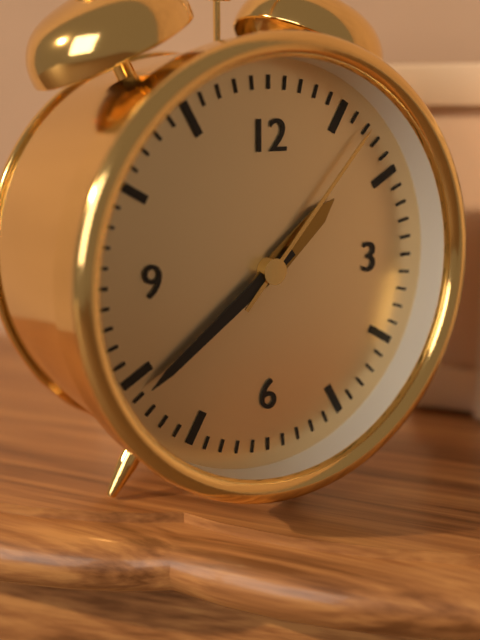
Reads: 1:39:07
